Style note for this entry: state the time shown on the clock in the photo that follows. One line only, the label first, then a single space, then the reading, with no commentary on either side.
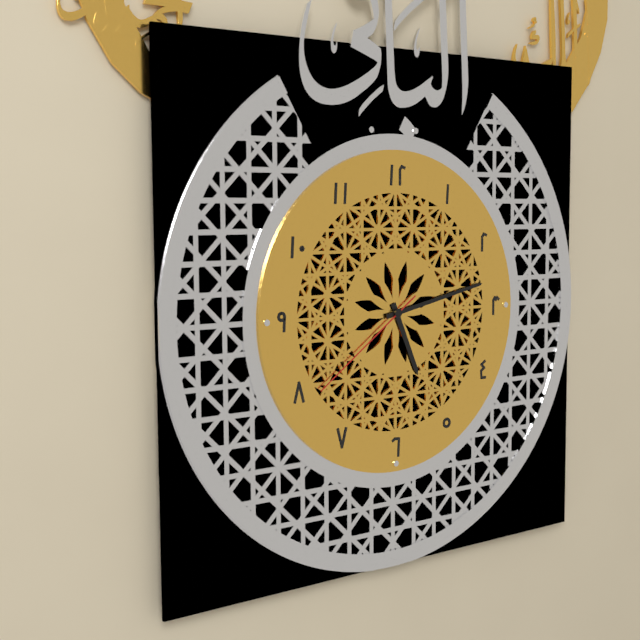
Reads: 5:13:39
